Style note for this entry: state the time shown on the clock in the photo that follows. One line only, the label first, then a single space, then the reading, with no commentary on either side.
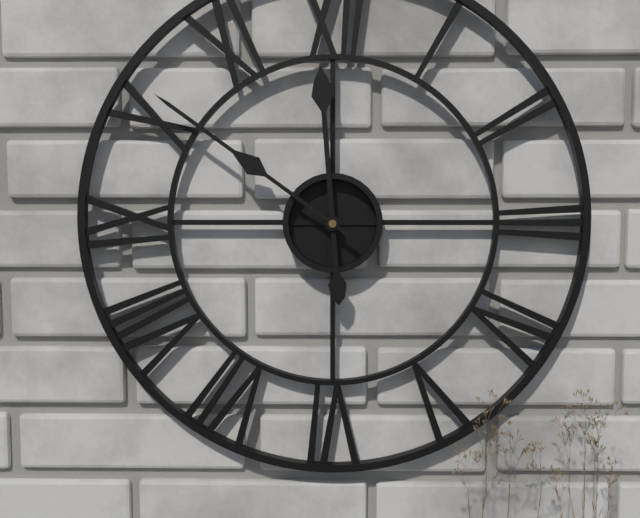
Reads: 11:51
